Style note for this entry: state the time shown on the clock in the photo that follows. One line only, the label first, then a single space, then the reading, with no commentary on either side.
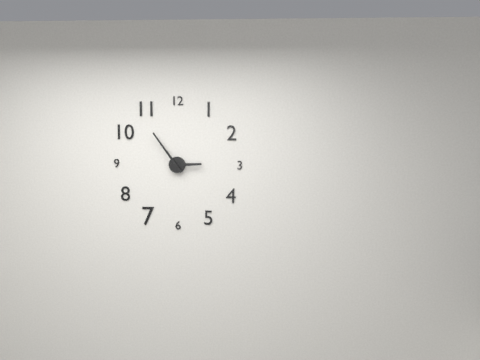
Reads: 2:54
